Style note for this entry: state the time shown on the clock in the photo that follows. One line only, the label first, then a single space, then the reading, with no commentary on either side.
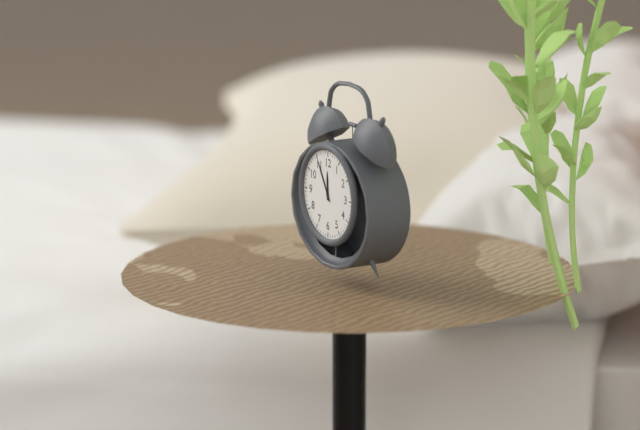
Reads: 11:55
